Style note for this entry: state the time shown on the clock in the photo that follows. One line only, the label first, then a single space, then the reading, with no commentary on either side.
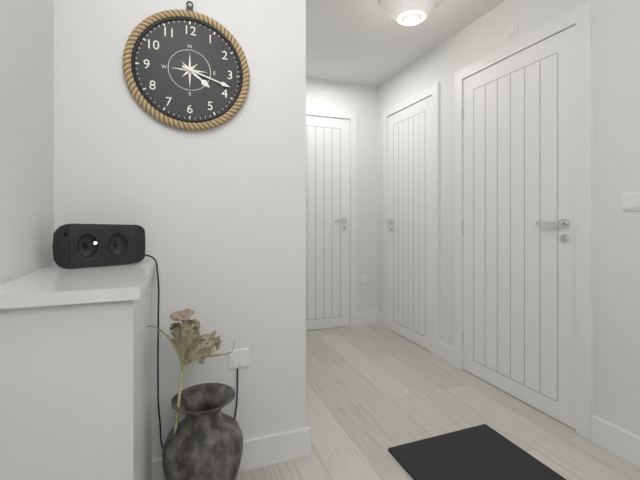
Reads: 4:18
